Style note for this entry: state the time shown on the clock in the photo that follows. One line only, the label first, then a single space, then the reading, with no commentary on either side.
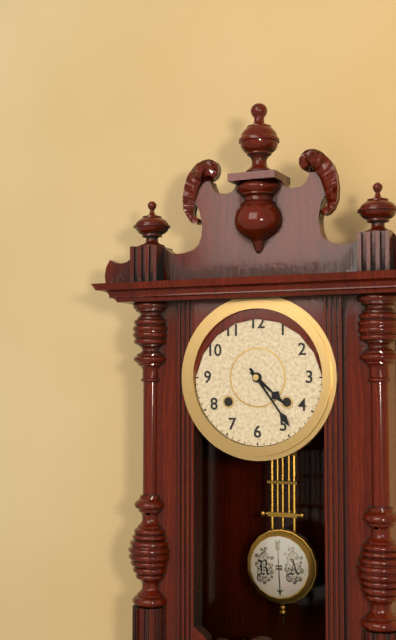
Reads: 4:24
